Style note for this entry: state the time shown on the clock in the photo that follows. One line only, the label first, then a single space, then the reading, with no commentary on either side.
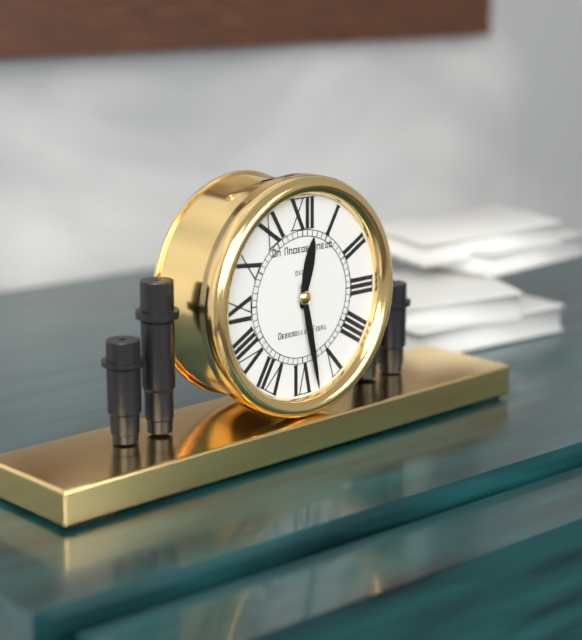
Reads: 12:28
